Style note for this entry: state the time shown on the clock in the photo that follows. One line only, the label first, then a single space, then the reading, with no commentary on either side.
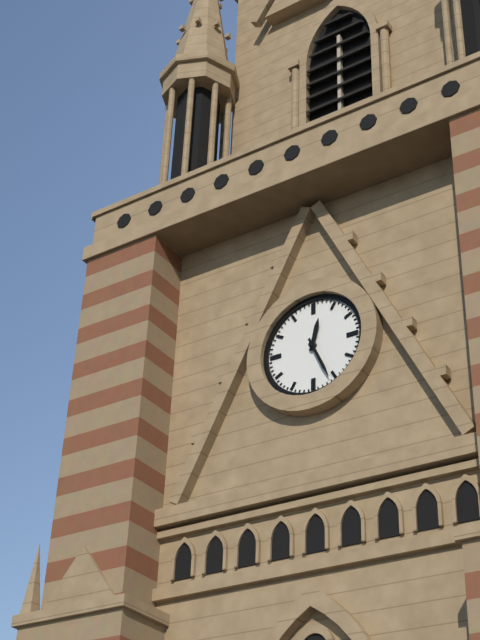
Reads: 12:26
